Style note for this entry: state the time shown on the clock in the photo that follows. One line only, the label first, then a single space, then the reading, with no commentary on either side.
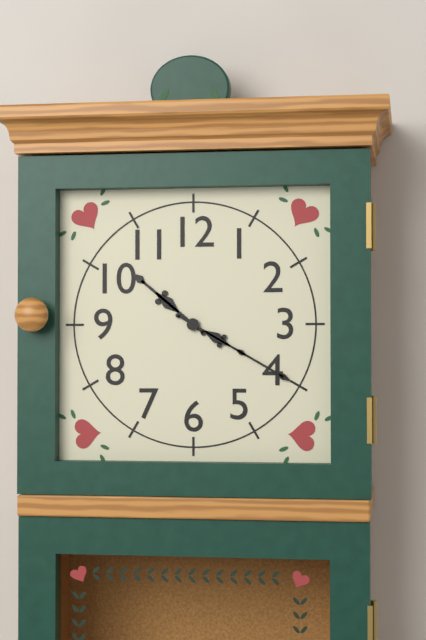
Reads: 10:20
